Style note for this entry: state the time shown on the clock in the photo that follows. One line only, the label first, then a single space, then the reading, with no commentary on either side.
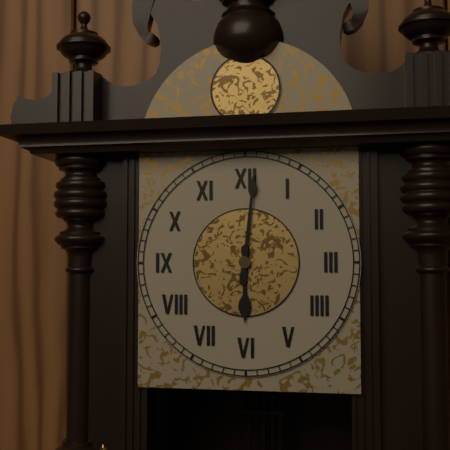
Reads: 6:01
